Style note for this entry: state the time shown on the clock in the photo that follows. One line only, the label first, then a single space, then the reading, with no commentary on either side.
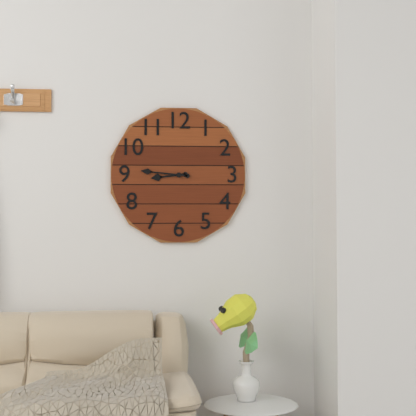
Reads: 8:46
